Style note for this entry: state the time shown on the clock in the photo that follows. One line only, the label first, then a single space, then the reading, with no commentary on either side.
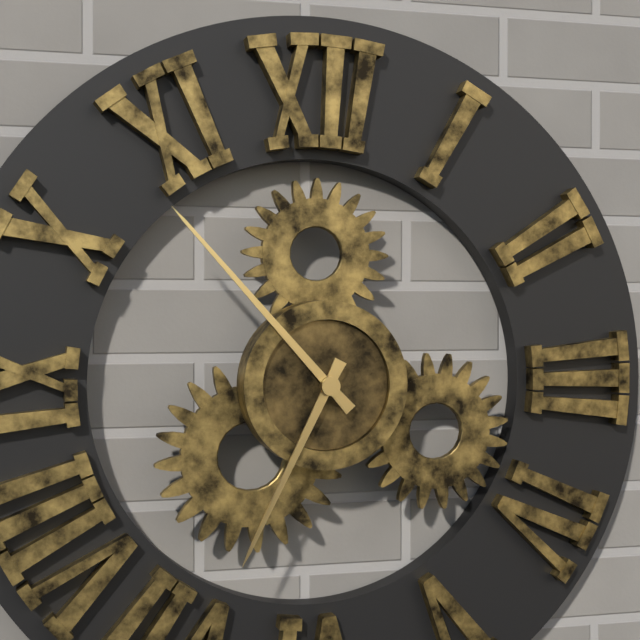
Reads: 6:53
